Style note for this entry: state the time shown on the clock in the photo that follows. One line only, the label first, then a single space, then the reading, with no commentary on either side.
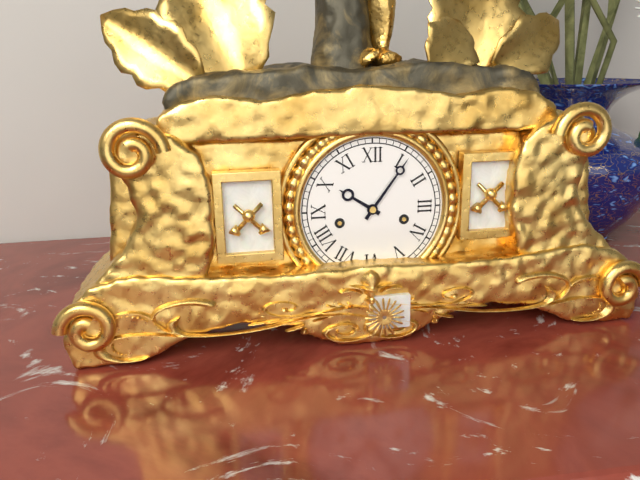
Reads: 10:06
